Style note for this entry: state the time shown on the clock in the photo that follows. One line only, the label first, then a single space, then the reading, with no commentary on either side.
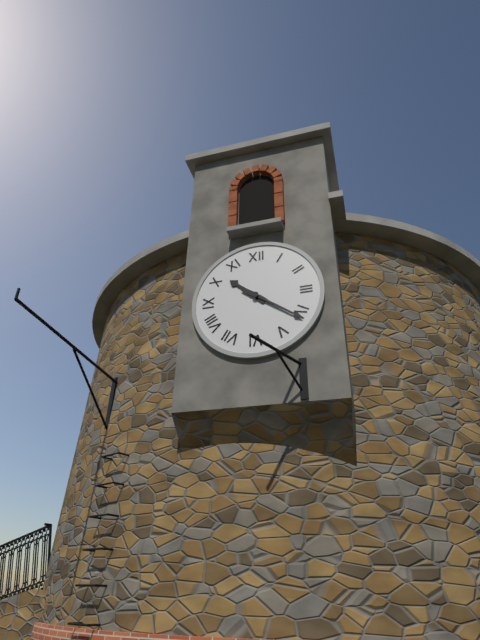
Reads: 10:21
